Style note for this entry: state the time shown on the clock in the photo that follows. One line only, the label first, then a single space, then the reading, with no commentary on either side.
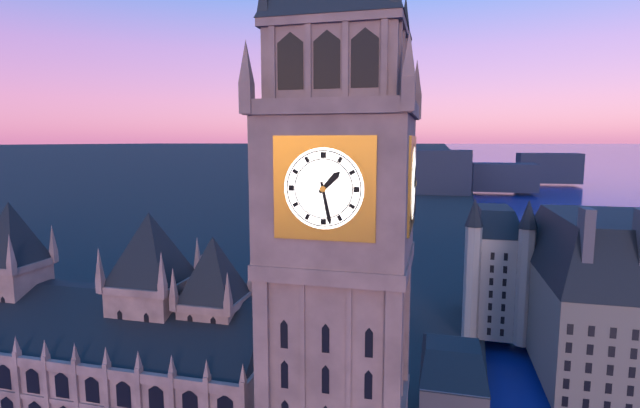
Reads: 1:28
